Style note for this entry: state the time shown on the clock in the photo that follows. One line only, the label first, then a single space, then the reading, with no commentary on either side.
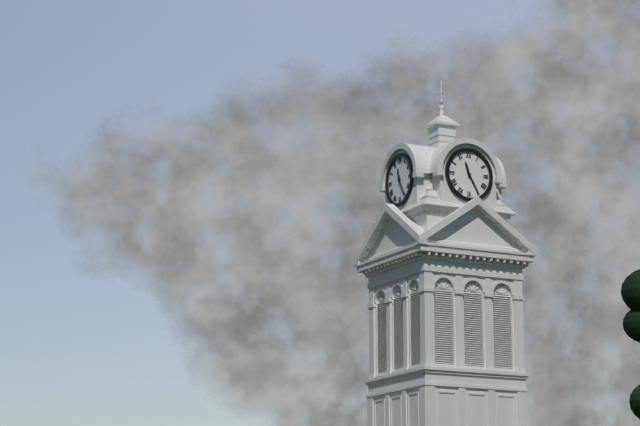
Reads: 11:25
